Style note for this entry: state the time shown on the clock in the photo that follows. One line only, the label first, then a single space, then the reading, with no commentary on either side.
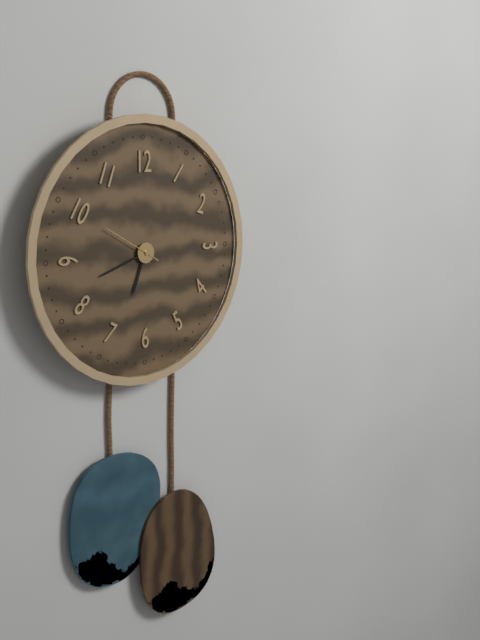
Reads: 6:42:50
